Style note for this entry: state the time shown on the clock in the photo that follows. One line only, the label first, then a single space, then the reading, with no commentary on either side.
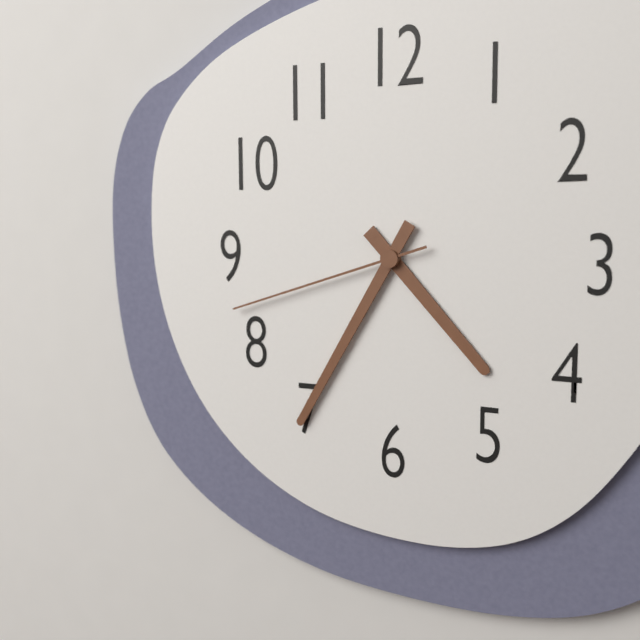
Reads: 4:35:42
